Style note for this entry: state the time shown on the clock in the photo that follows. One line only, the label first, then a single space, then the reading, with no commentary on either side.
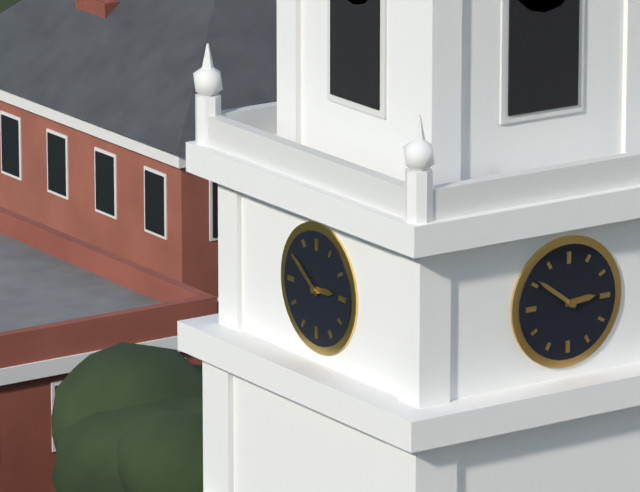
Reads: 2:51
